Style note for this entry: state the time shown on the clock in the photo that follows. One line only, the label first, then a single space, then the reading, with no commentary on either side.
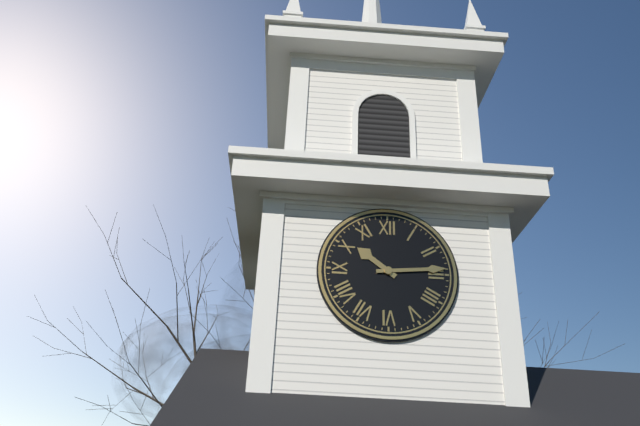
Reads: 10:14
